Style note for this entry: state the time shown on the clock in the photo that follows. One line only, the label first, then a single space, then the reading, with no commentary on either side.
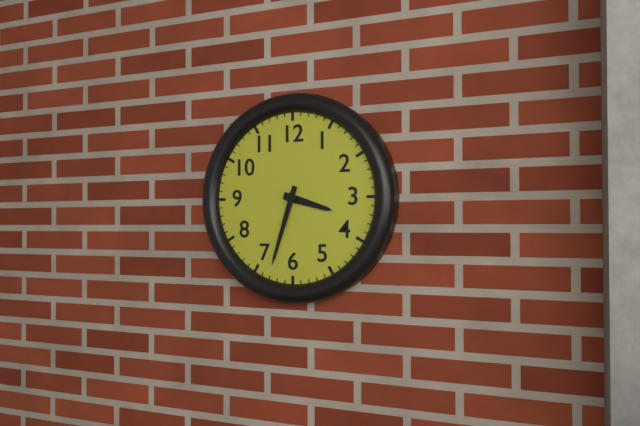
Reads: 3:33
